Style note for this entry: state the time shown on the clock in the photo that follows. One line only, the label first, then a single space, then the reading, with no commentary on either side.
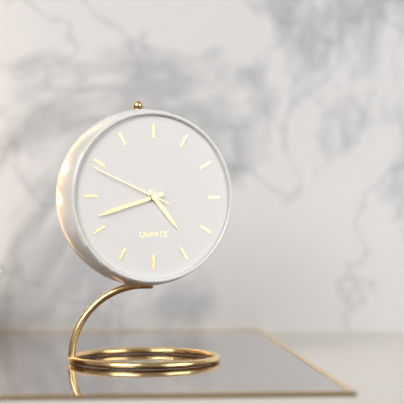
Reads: 4:42:49
